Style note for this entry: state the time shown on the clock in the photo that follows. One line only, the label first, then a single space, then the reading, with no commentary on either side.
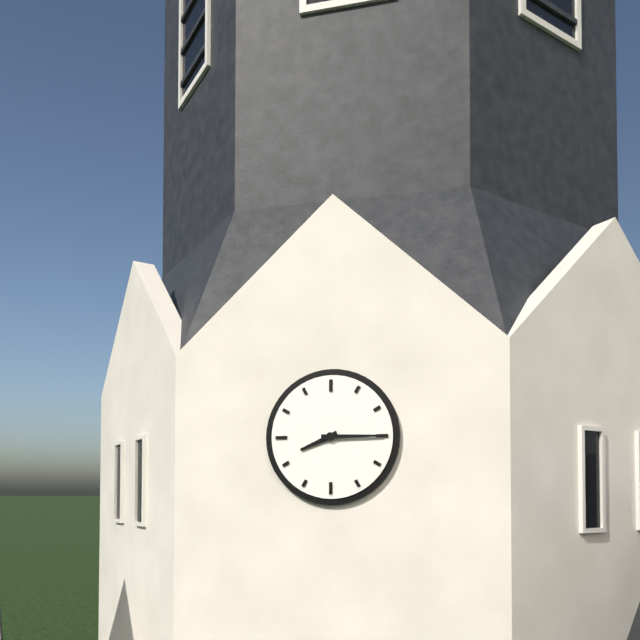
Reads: 8:15
